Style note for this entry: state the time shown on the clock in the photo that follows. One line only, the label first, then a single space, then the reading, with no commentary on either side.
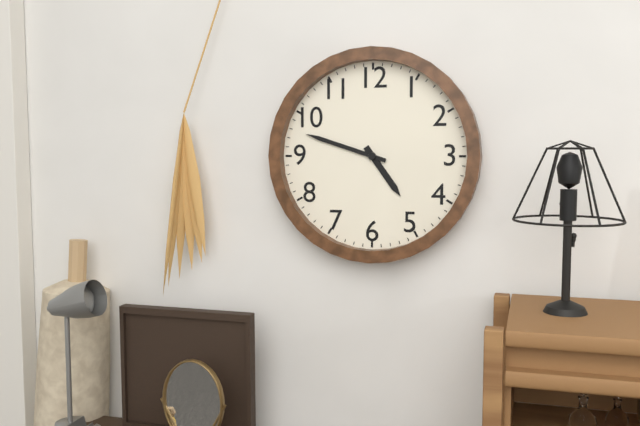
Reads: 4:48
